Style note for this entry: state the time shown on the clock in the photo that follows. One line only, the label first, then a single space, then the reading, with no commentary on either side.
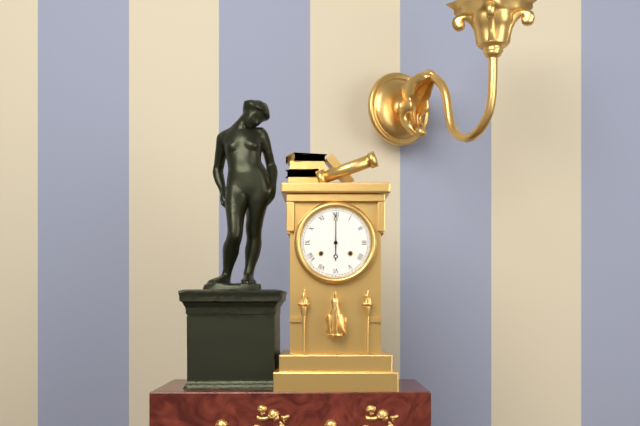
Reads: 6:00
